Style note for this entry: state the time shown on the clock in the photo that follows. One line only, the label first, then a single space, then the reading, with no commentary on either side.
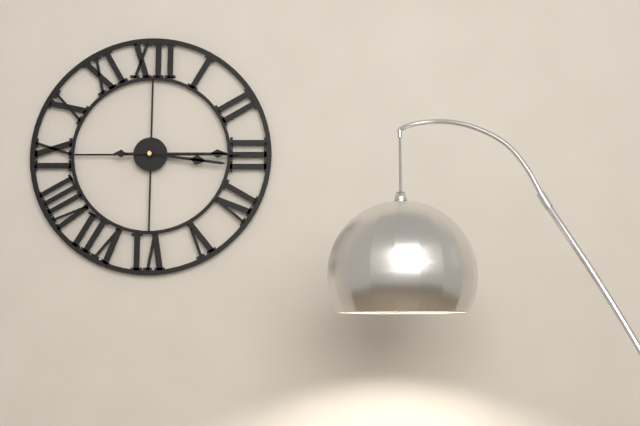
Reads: 3:15
